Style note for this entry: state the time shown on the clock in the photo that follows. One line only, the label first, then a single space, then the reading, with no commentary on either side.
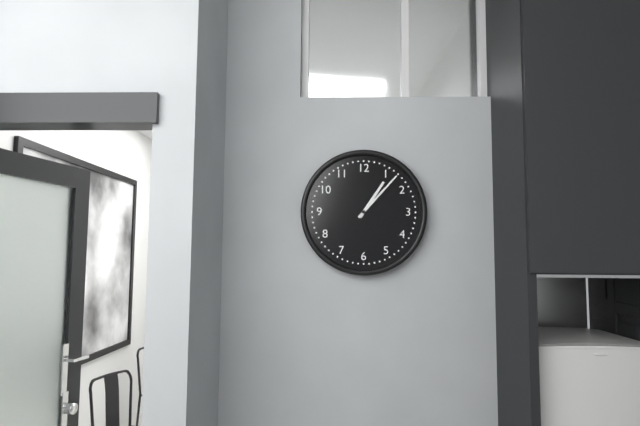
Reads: 1:07
